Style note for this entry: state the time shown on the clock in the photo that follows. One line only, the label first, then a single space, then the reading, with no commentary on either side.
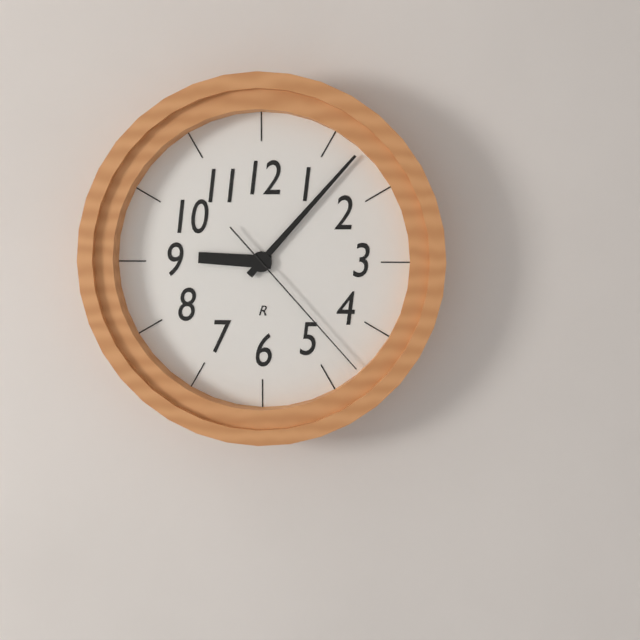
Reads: 9:07:23
